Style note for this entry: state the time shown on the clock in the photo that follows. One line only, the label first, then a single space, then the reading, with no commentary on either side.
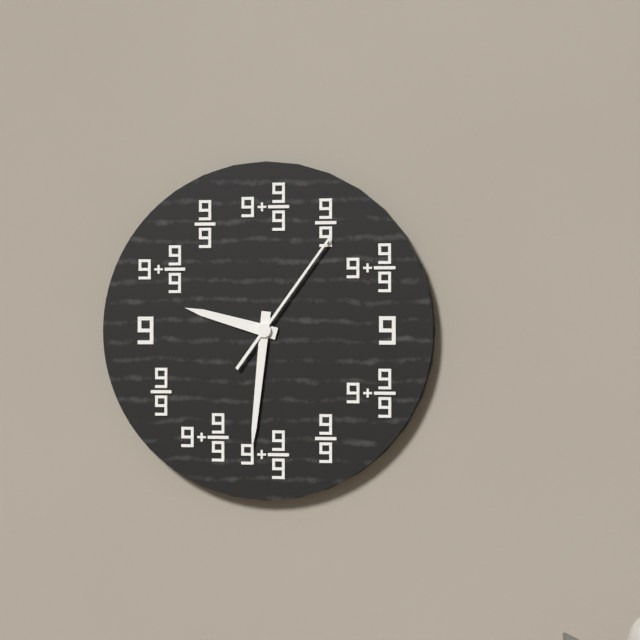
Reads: 9:31:06
